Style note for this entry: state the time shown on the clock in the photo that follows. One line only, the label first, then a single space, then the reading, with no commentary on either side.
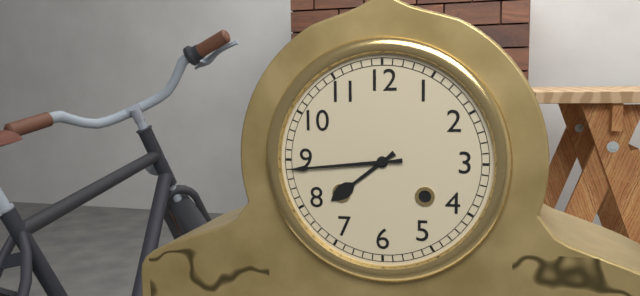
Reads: 7:44
